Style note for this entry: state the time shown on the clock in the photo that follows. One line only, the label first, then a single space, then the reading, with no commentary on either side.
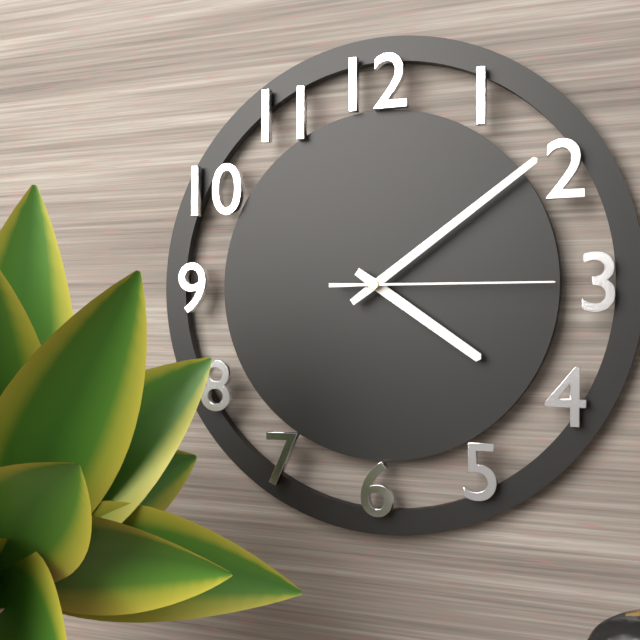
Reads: 4:09:15
